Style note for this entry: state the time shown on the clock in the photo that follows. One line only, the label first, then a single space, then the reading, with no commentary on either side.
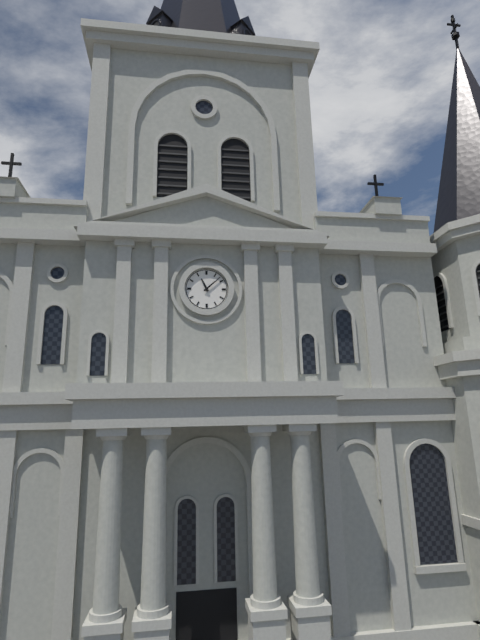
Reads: 11:08
